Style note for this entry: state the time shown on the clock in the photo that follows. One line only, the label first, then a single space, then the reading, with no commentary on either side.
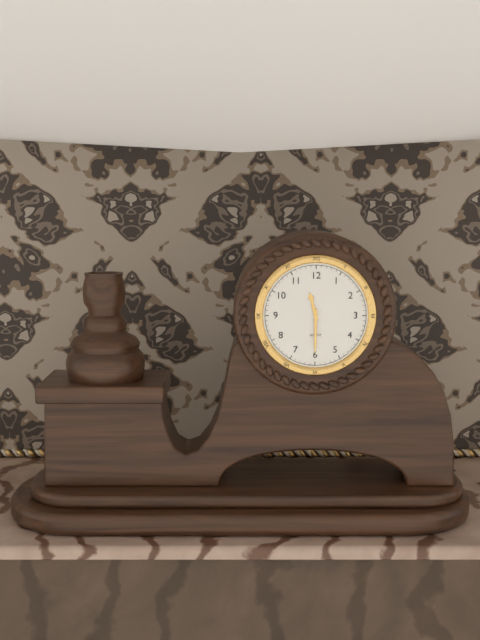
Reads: 11:30
